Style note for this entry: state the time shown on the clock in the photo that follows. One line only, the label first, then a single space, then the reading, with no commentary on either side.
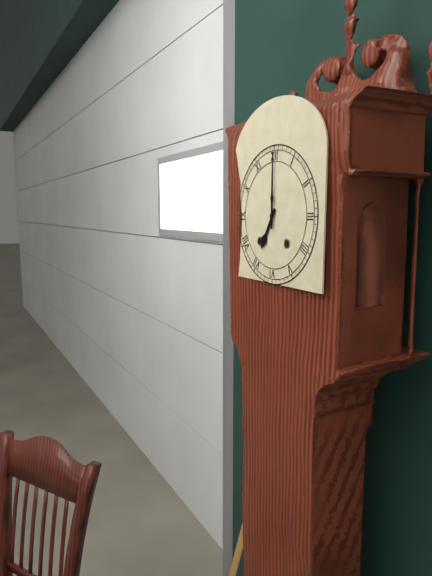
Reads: 7:00
